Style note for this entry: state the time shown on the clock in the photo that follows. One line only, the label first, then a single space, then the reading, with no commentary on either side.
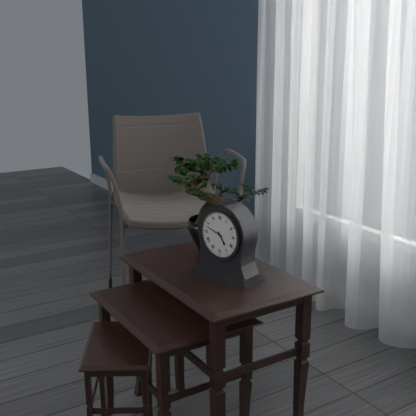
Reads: 4:48
